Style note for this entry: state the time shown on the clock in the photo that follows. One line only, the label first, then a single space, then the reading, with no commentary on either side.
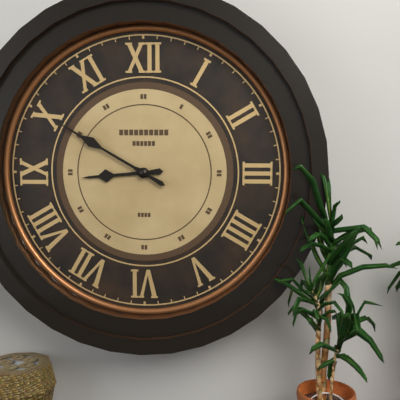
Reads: 8:50
